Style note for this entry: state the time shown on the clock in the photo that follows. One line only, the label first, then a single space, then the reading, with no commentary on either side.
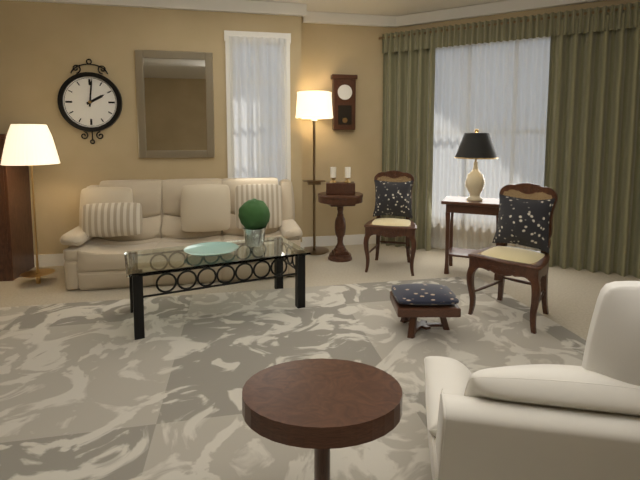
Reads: 2:01
